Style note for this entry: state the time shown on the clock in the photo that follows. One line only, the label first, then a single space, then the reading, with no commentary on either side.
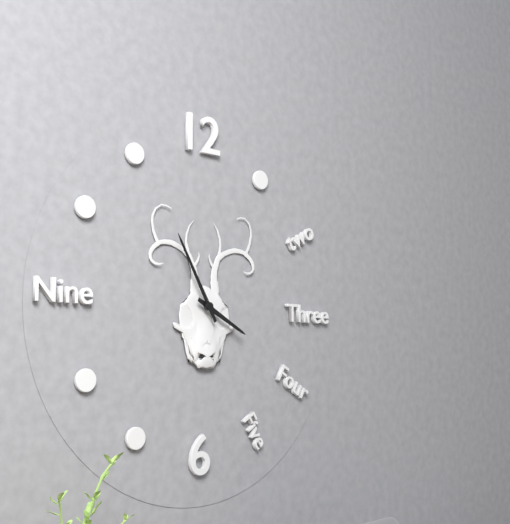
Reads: 3:55
